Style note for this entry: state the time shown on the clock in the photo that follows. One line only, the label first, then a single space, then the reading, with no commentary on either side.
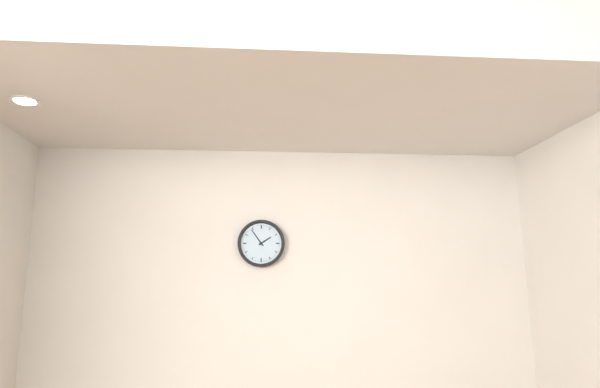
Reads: 1:54
